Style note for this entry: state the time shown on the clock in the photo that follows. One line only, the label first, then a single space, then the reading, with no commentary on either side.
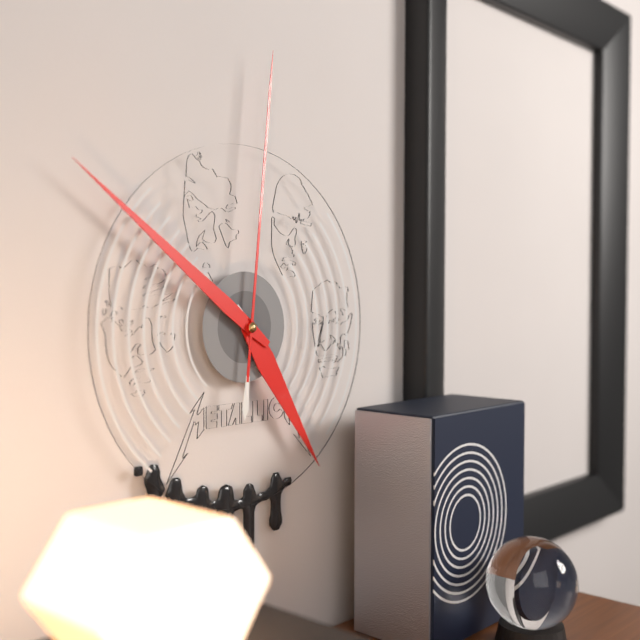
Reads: 4:51:01
